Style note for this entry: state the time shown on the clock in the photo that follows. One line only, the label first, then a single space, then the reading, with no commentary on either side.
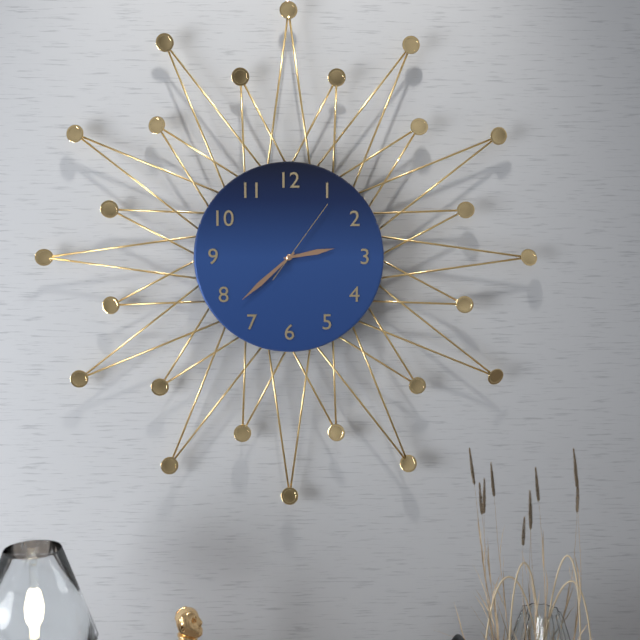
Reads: 2:38:06
